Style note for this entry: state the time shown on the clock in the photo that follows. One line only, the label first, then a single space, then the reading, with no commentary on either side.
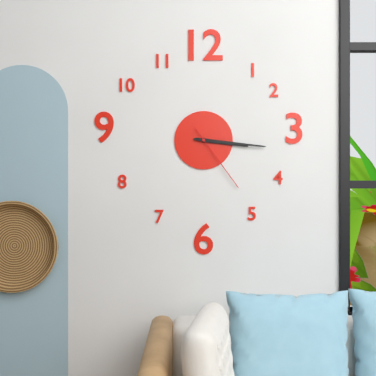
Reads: 3:16:24
